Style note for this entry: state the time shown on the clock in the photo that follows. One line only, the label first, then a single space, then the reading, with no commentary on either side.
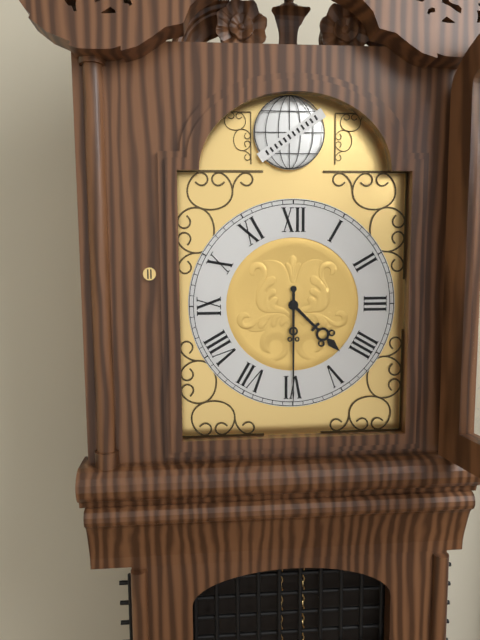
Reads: 4:30
